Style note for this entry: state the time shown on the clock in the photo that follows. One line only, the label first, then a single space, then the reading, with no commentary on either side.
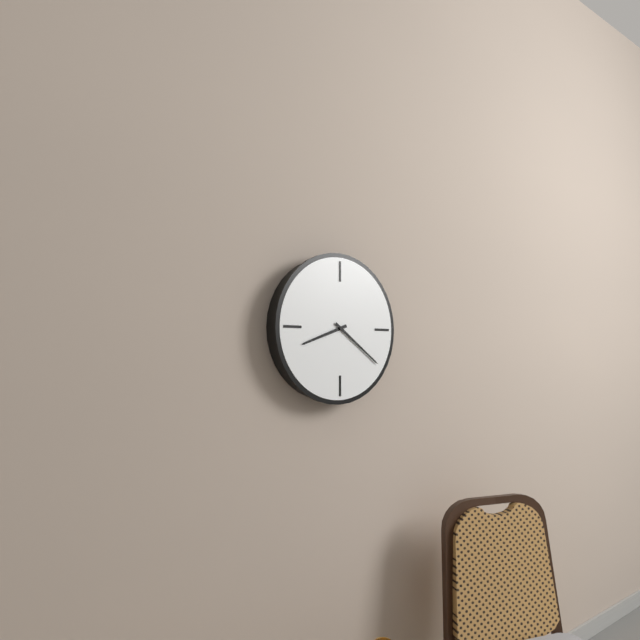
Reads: 8:21
